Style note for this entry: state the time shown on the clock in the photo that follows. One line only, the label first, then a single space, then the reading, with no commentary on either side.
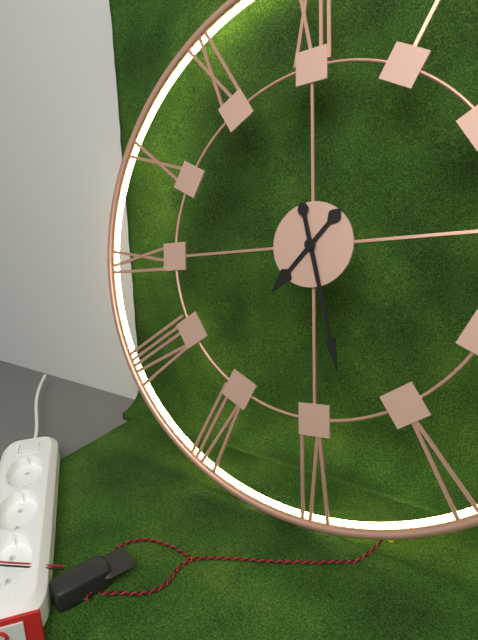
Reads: 7:28
